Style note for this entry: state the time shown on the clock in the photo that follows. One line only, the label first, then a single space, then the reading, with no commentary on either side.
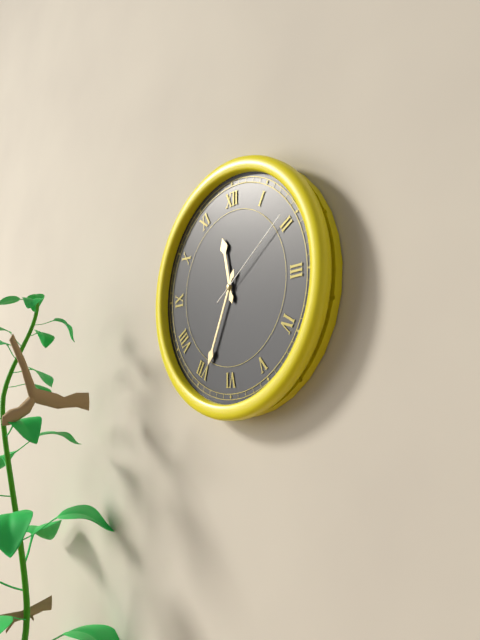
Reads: 11:34:09
